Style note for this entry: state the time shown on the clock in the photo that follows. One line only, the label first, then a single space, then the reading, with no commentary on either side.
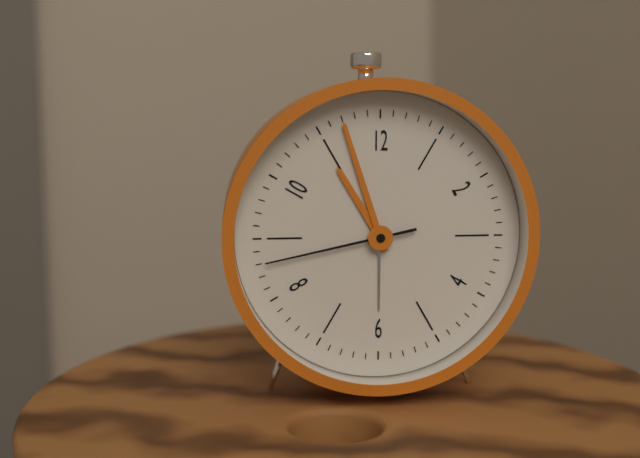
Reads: 10:57:43
